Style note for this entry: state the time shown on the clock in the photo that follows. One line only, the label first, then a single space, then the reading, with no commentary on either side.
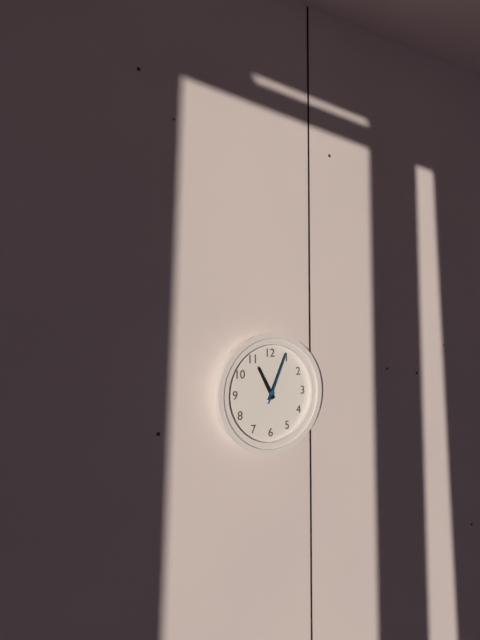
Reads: 11:04:04
